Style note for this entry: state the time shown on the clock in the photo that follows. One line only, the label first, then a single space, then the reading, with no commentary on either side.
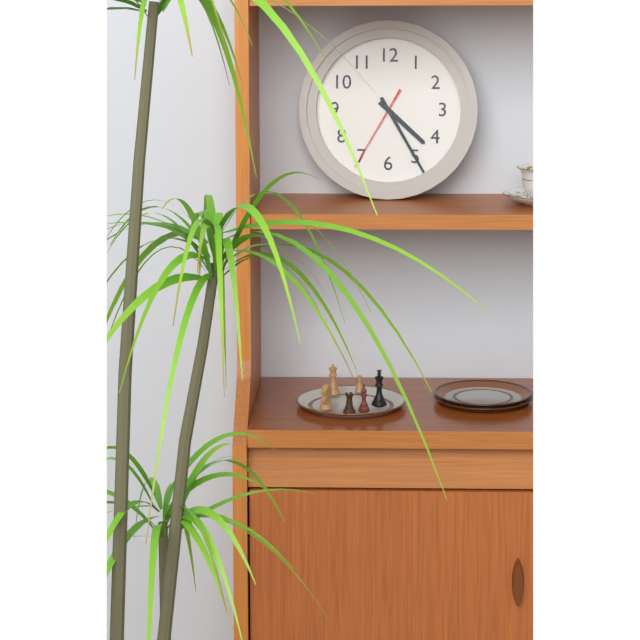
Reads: 4:25:35
